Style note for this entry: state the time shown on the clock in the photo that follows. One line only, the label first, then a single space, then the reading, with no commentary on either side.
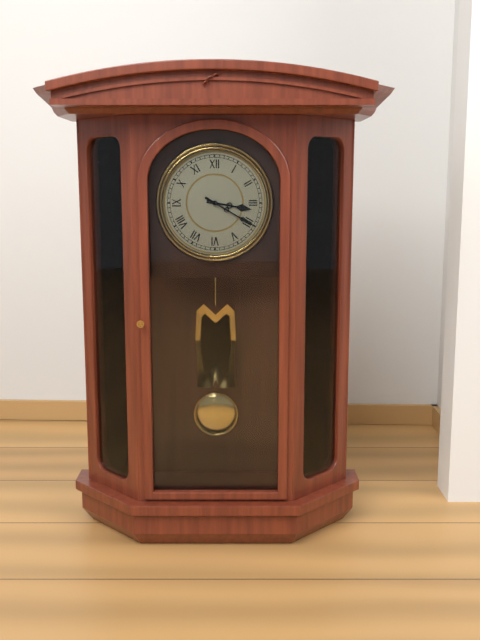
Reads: 3:20
